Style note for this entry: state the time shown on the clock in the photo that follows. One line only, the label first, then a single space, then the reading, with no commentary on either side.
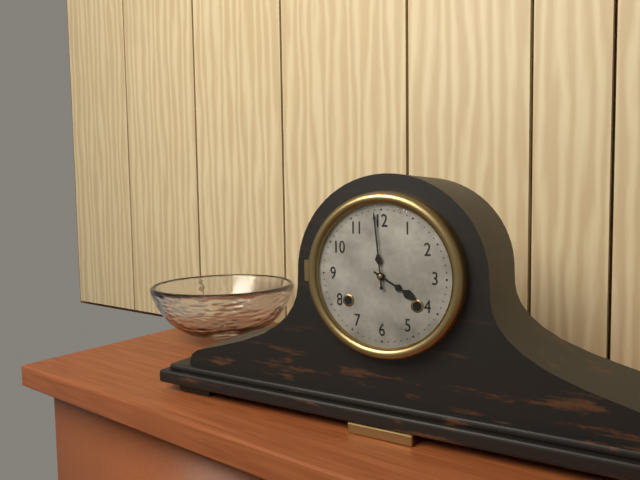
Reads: 3:59
